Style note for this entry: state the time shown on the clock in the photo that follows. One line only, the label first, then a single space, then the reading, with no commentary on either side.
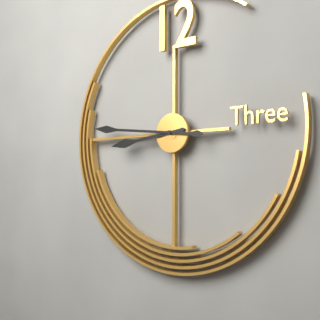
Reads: 8:46
